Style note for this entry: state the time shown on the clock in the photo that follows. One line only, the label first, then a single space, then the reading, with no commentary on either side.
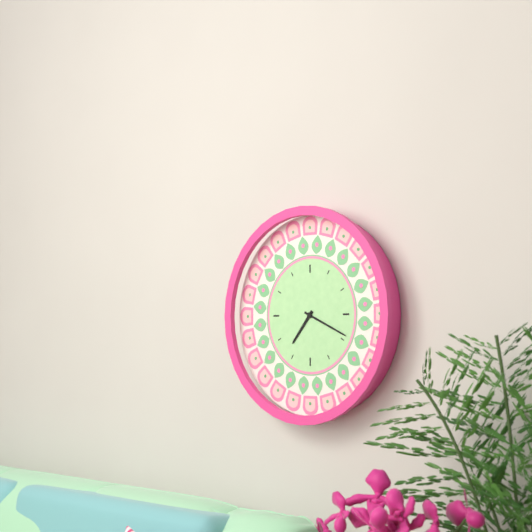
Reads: 7:19
